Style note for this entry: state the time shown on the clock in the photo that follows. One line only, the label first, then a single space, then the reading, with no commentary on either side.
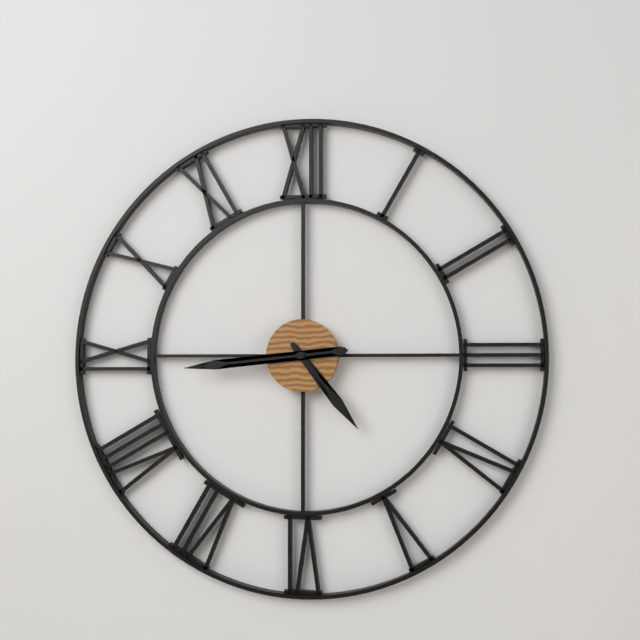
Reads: 4:44
